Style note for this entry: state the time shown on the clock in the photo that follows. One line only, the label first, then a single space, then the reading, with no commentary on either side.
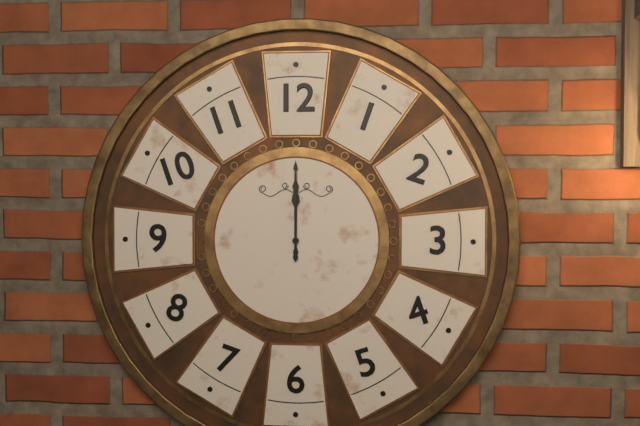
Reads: 12:00
